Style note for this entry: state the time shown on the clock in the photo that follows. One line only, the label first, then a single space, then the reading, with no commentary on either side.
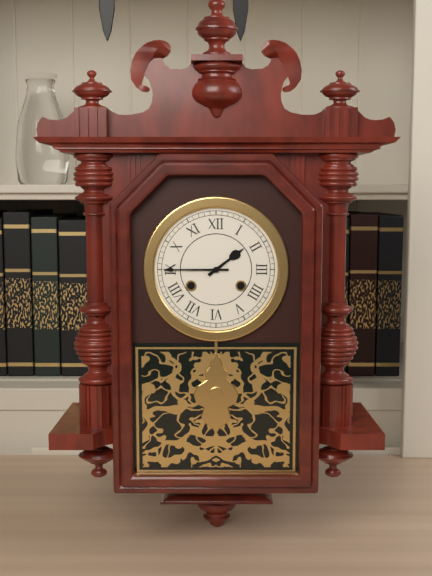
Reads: 1:45
